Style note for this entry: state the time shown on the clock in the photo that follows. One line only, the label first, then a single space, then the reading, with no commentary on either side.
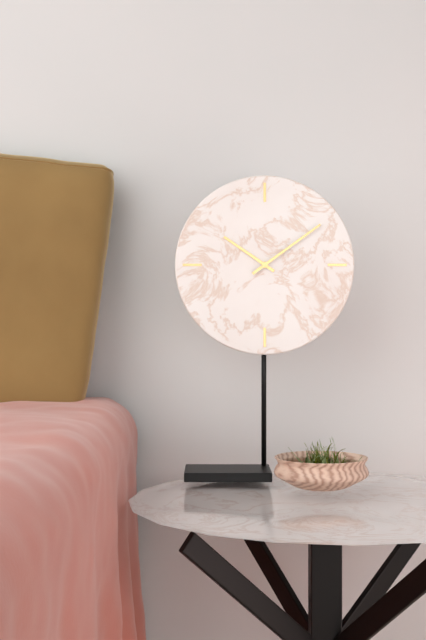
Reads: 10:09
